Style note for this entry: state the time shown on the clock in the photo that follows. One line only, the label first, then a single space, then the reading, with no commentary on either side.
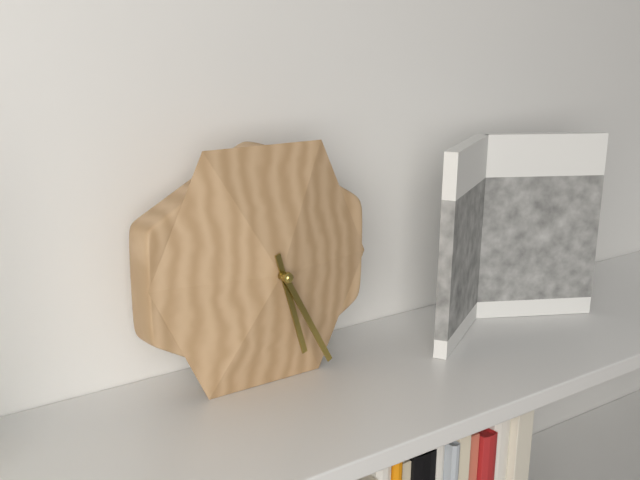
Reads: 5:25
